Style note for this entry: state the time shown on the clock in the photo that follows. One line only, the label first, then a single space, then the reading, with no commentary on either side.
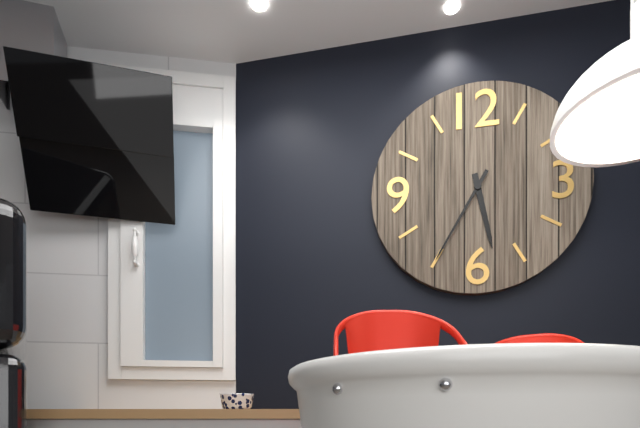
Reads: 5:35
